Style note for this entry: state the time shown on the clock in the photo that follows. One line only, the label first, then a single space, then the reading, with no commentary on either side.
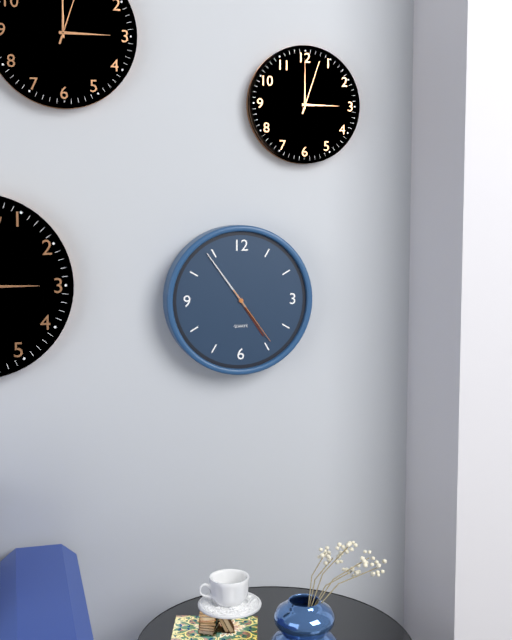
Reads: 4:54:24
